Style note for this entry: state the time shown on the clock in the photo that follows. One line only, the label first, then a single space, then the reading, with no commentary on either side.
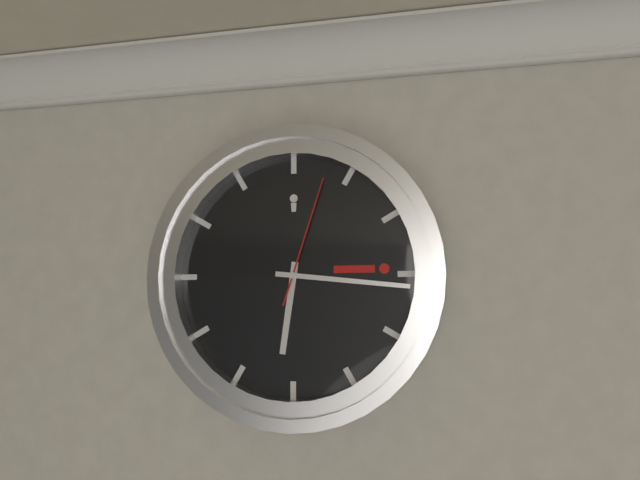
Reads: 6:16:03
